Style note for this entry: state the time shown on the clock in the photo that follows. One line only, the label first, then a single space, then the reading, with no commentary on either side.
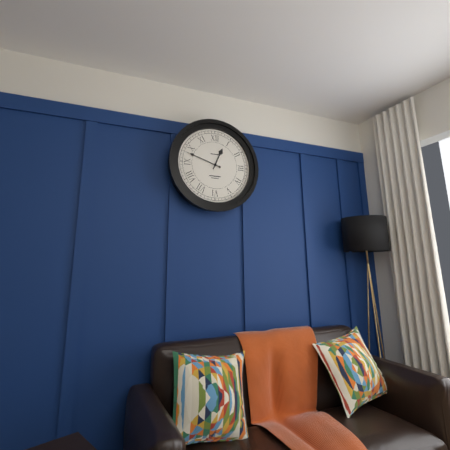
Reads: 12:48
